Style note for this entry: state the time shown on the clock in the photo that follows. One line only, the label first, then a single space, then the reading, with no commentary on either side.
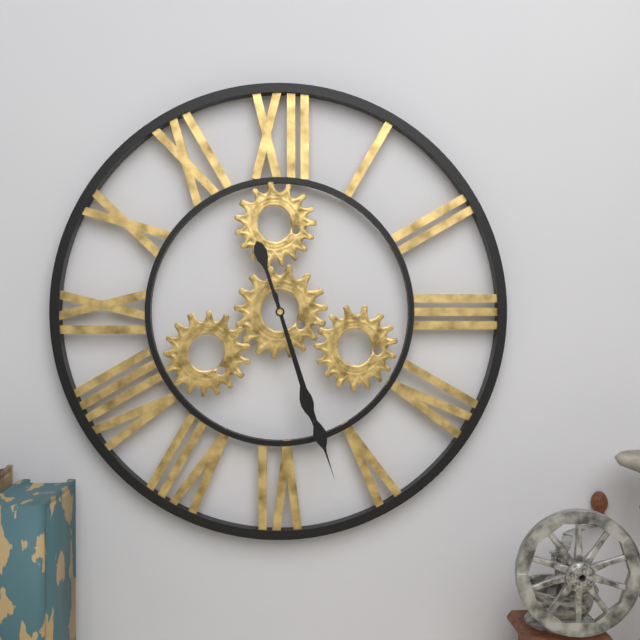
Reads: 5:27
